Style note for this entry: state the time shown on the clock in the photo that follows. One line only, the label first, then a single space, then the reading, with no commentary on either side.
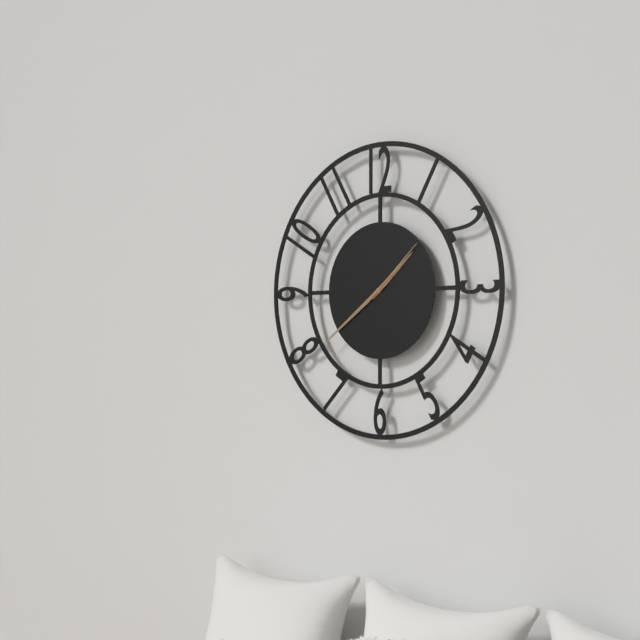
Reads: 1:39:08
